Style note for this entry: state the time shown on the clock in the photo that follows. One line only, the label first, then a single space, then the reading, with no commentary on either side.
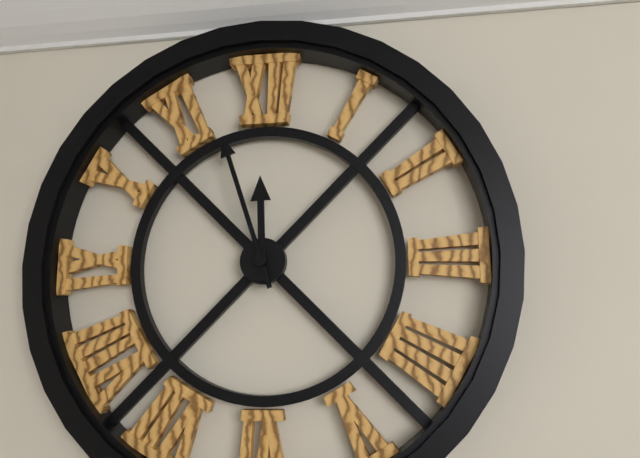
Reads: 11:57
